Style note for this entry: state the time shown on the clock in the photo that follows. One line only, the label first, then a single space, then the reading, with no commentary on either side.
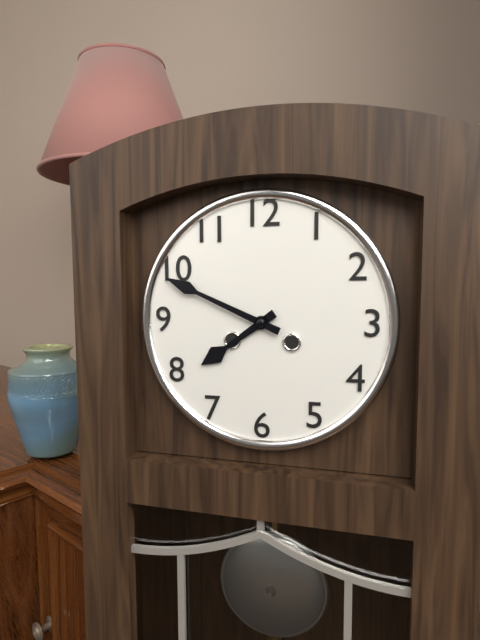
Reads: 7:49
